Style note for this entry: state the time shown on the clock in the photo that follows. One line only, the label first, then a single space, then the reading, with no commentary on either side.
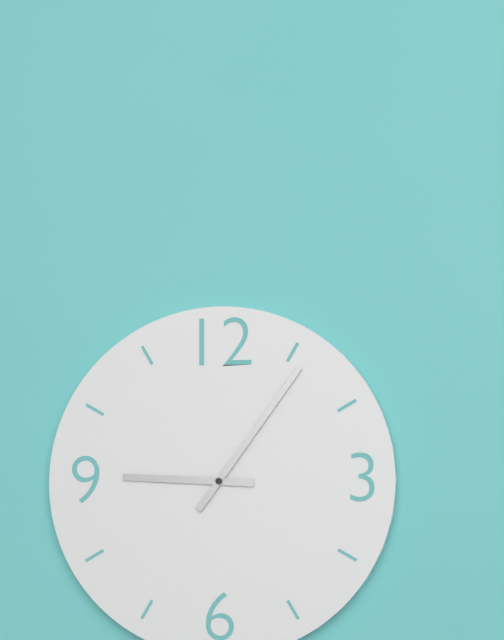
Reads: 9:06
